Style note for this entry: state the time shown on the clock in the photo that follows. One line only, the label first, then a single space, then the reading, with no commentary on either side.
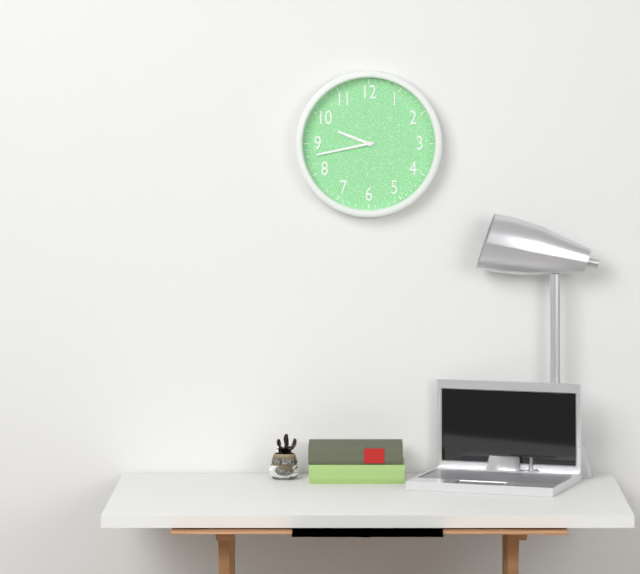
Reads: 9:43
